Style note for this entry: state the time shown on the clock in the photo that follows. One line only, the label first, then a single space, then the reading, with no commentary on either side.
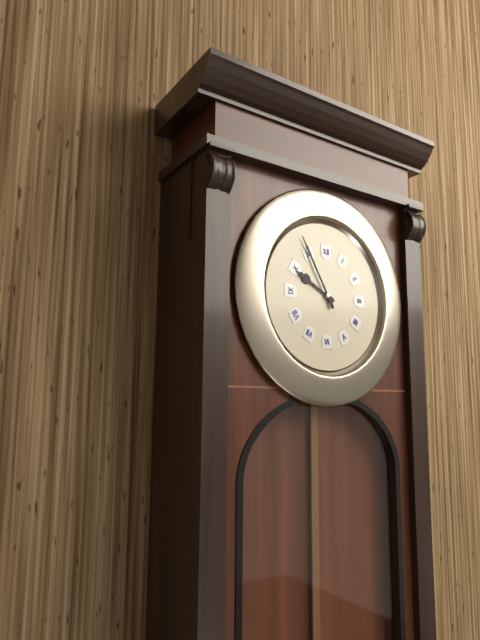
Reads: 9:55
